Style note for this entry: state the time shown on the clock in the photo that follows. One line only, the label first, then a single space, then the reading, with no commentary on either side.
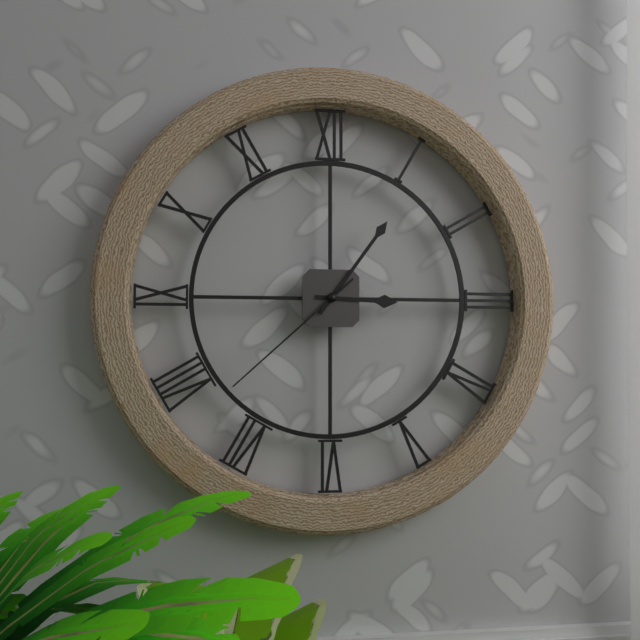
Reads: 3:06:38
